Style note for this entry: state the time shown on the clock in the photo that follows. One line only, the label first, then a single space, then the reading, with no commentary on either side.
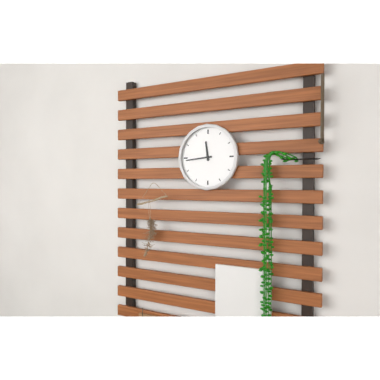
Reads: 11:44
